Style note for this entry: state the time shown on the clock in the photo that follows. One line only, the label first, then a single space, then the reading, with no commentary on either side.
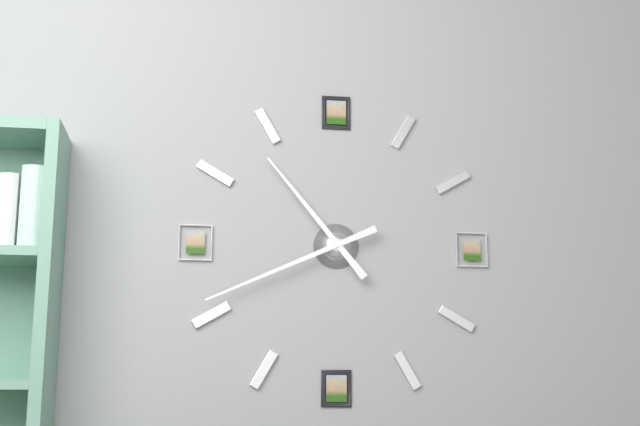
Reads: 10:41
